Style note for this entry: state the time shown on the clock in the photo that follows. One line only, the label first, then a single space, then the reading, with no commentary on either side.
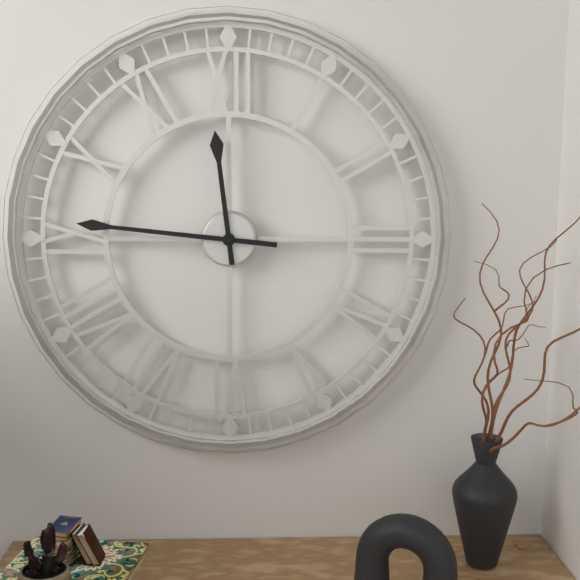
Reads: 11:46
